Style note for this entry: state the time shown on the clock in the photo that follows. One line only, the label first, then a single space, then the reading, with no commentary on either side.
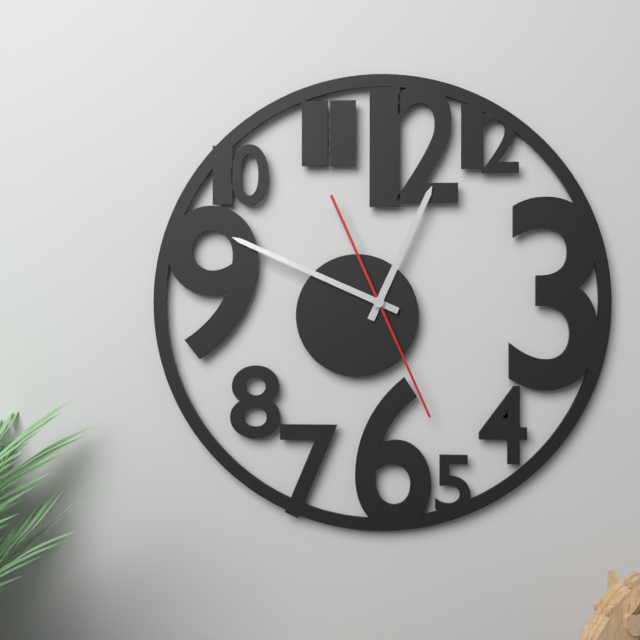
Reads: 12:49:26
